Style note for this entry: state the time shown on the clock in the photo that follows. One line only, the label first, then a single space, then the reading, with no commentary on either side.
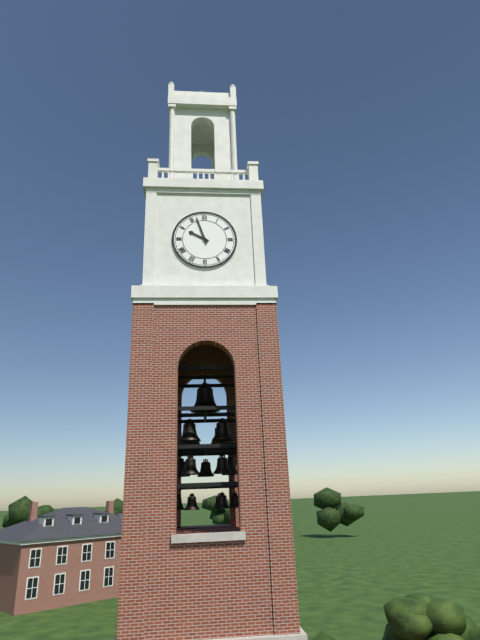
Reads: 9:57
